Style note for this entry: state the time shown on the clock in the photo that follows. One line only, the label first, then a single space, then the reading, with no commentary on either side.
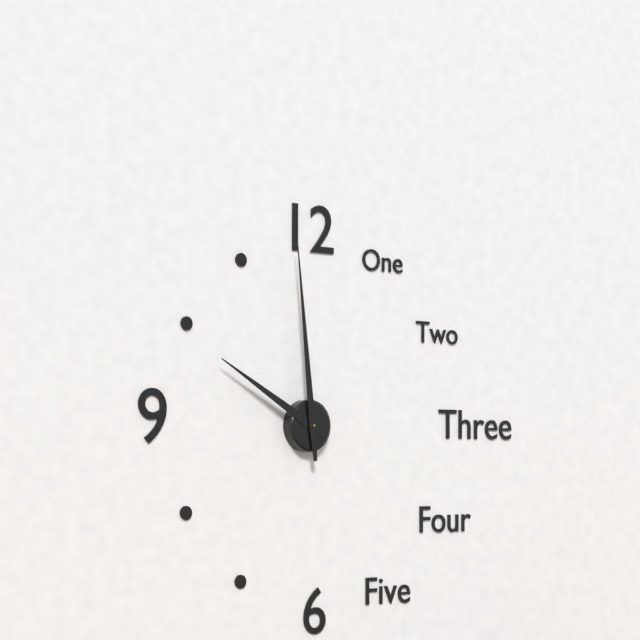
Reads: 9:59
